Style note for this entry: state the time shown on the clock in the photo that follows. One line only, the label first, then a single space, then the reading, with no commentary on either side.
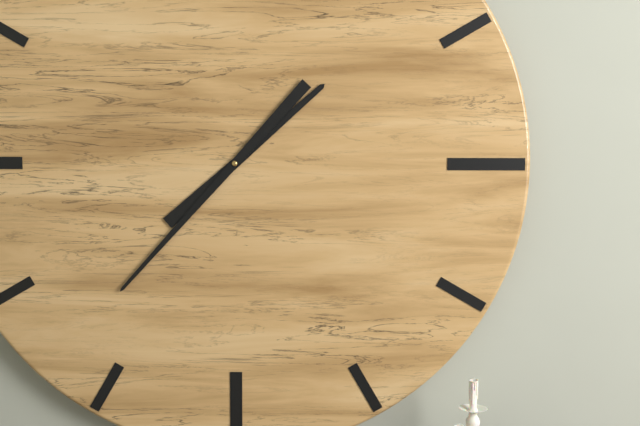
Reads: 1:37
